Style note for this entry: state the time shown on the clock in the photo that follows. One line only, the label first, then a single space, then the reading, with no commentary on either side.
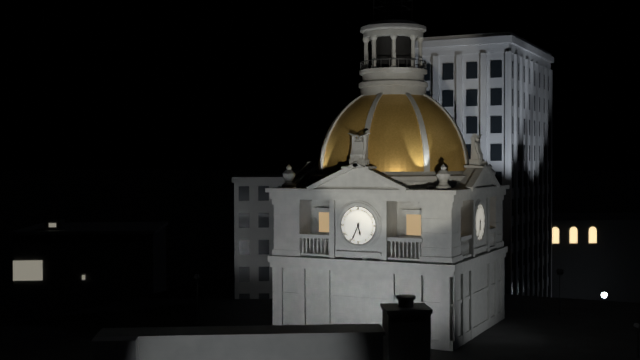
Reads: 5:34
